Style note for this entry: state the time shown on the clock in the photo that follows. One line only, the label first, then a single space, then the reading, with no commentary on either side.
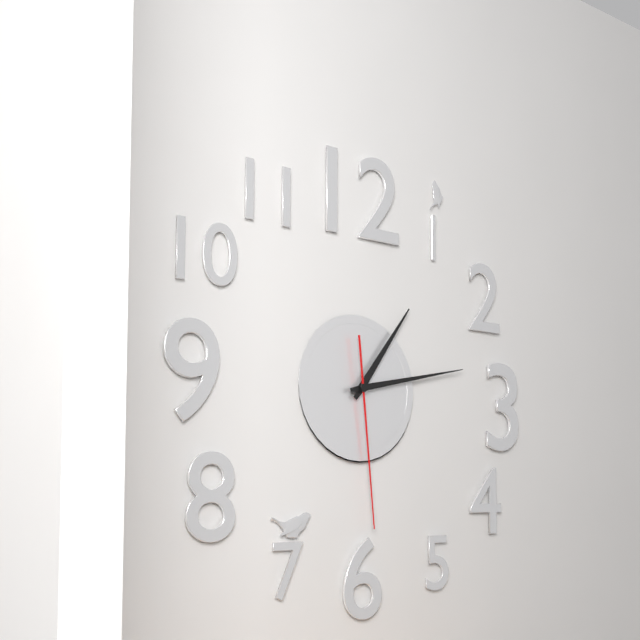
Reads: 1:13:29
